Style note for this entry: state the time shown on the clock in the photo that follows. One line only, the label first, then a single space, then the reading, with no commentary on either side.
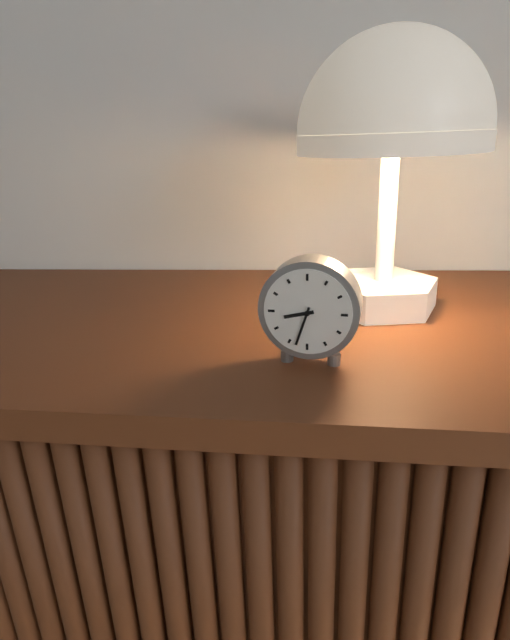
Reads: 8:33
